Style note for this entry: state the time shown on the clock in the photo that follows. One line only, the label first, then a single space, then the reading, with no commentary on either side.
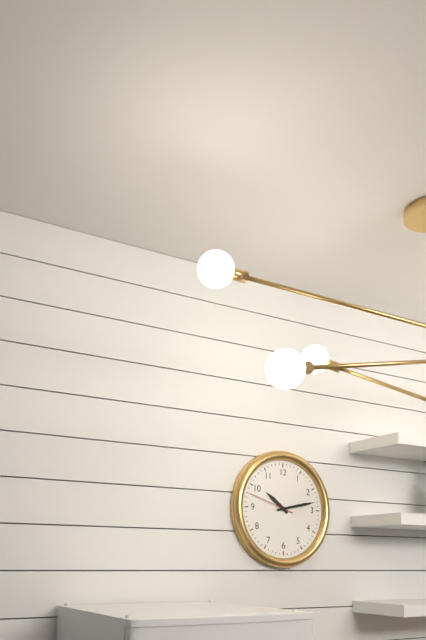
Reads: 10:13
